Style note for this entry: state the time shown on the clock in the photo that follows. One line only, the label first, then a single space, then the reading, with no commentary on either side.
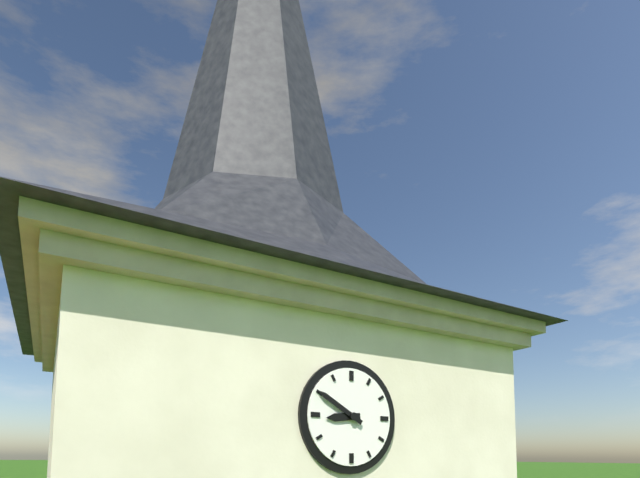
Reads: 8:50
